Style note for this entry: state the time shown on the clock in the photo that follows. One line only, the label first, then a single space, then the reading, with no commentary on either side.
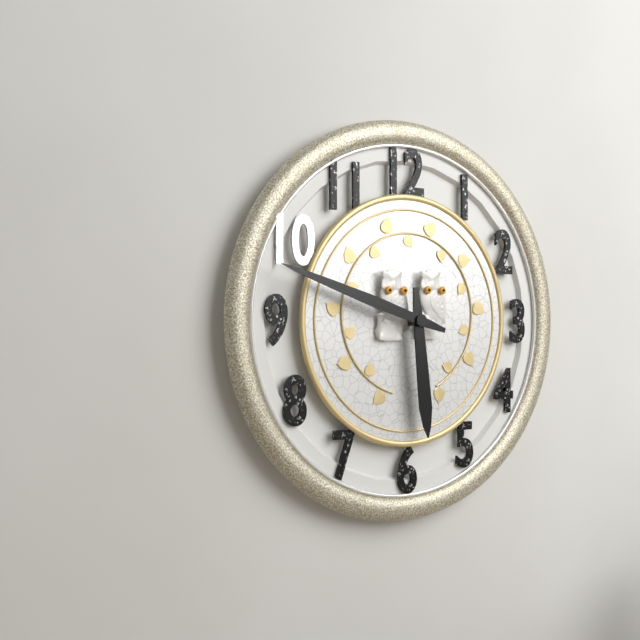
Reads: 5:48
